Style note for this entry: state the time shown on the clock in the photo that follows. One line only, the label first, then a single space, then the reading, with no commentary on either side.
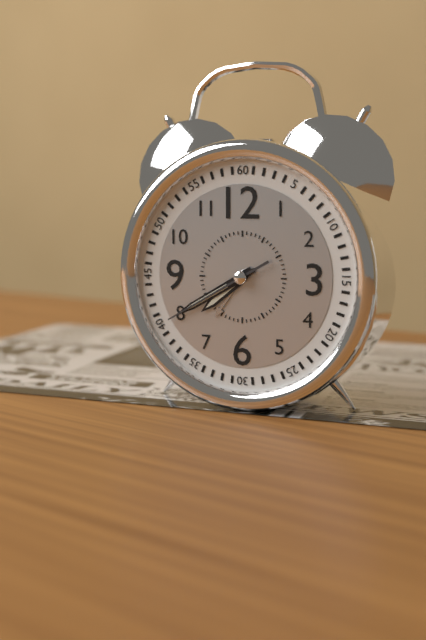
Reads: 7:40:40
